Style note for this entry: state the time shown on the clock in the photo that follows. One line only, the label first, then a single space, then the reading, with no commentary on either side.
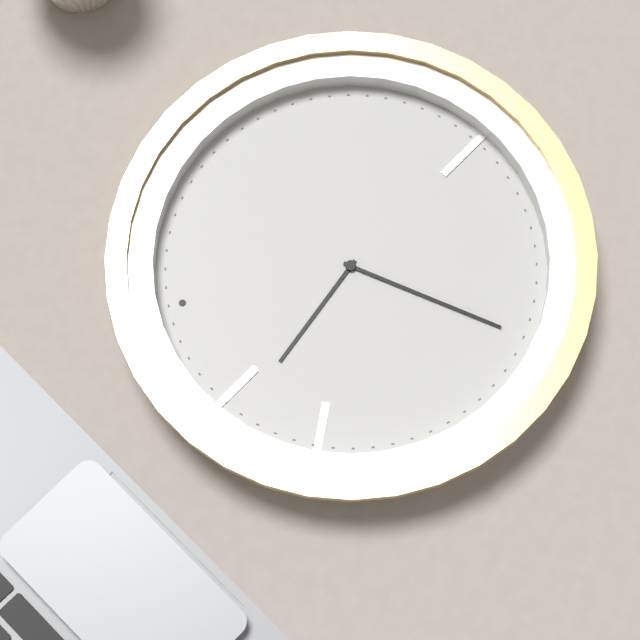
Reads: 10:36
